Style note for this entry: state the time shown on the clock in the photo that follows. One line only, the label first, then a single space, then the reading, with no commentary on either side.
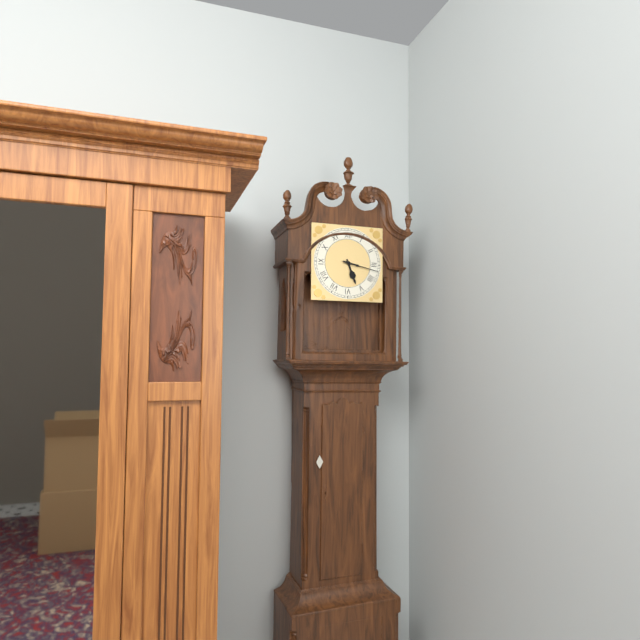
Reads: 5:17
